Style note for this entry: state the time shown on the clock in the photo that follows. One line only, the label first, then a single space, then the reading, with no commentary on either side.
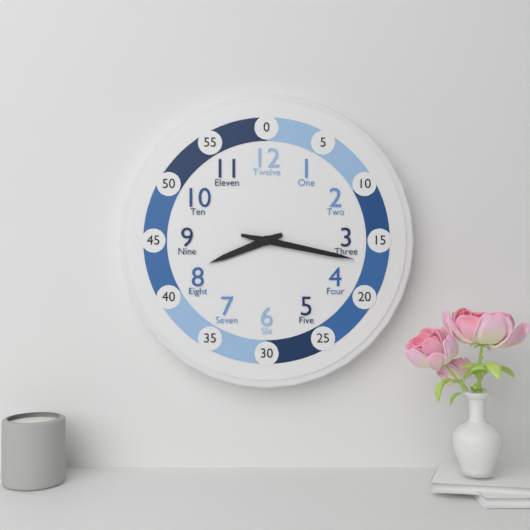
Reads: 8:17
